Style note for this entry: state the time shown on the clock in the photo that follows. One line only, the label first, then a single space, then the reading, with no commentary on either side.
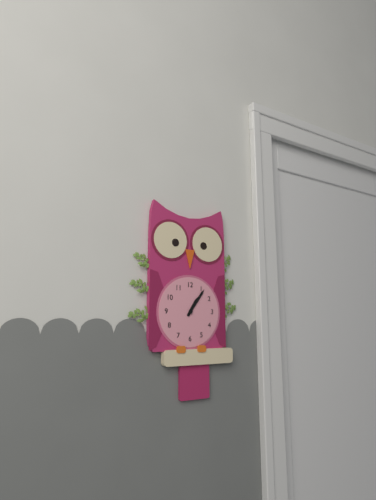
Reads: 1:06
